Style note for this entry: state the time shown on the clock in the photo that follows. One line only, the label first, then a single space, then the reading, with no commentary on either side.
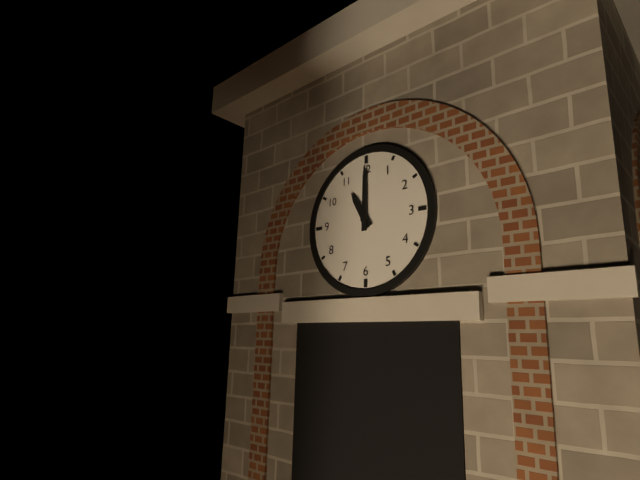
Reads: 11:00
